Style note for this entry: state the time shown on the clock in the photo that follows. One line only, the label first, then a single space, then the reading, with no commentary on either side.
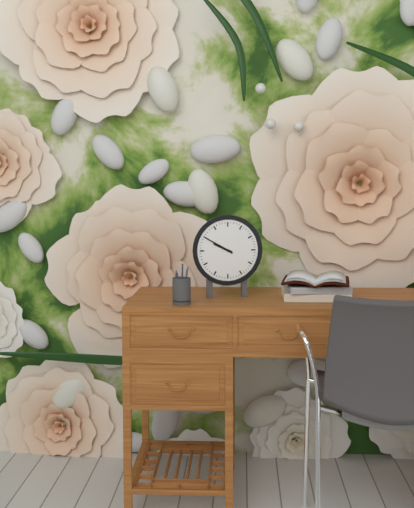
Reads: 9:50
